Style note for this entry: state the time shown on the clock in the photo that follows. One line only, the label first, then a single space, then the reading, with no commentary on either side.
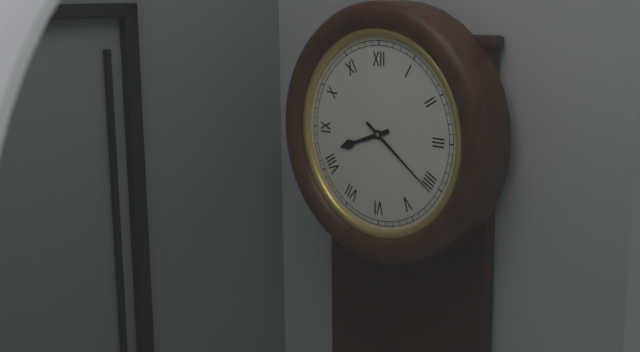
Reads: 8:21
